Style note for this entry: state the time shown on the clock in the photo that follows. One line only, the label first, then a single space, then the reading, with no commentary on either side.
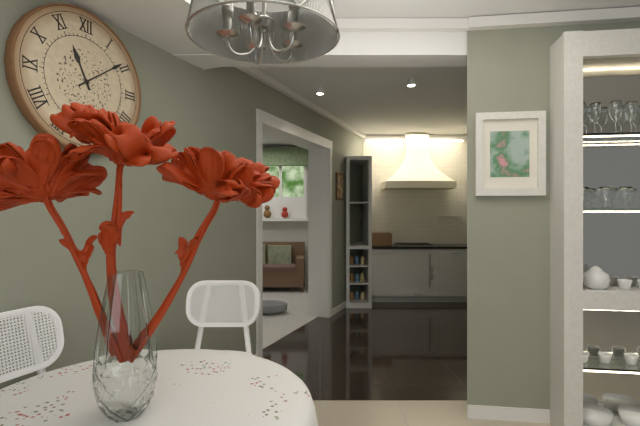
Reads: 11:09
